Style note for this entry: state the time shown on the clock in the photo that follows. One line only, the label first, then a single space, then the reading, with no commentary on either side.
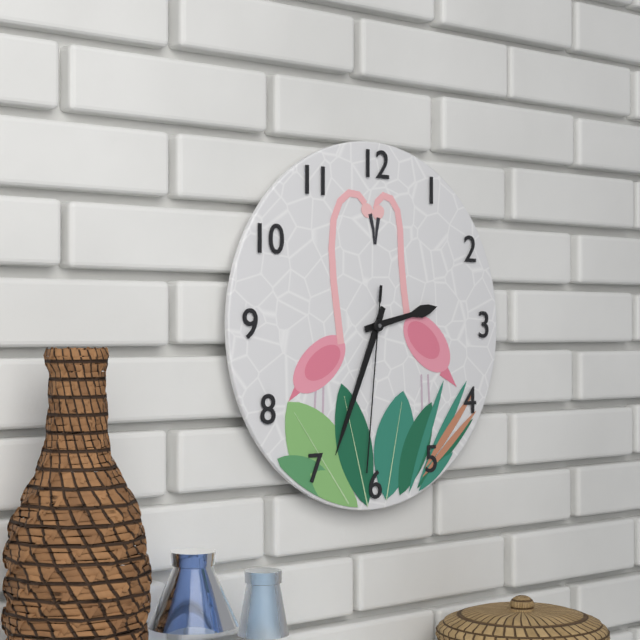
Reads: 2:34:31
